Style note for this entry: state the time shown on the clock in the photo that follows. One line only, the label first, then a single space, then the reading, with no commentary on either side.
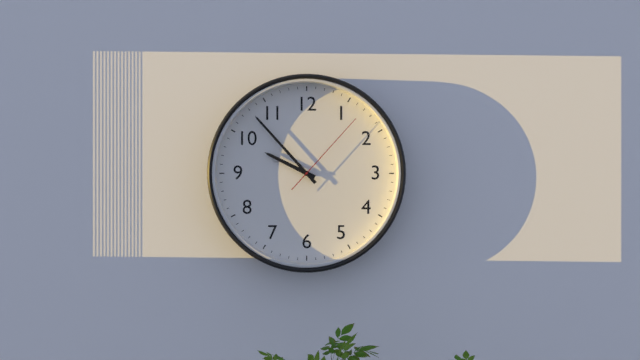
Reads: 9:53:07
